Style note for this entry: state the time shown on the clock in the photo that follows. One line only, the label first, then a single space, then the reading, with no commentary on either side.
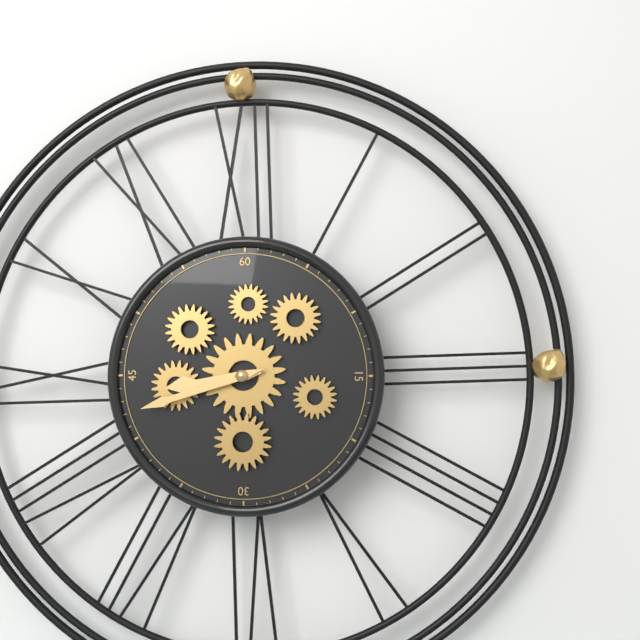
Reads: 8:42
